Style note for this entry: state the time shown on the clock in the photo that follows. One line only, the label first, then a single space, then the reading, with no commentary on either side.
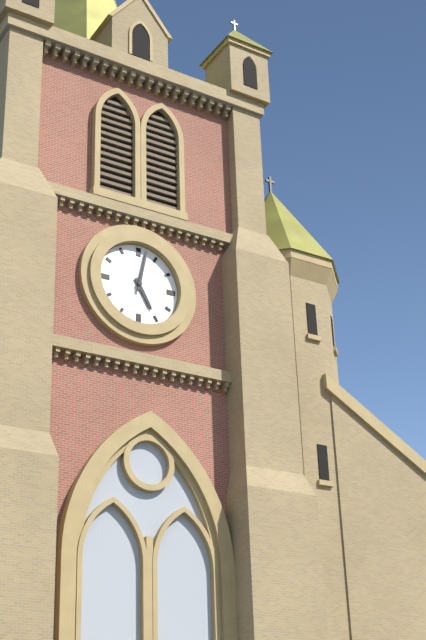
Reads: 5:02
